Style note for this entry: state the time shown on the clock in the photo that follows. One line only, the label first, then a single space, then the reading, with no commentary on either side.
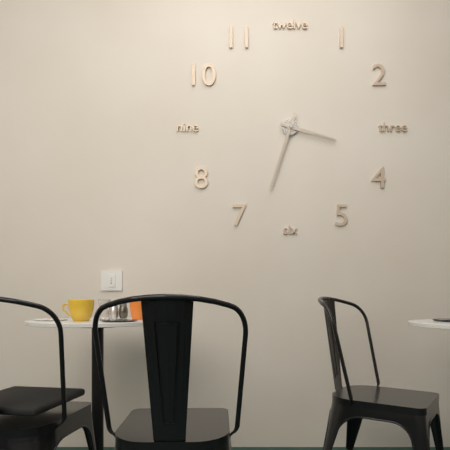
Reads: 3:33
